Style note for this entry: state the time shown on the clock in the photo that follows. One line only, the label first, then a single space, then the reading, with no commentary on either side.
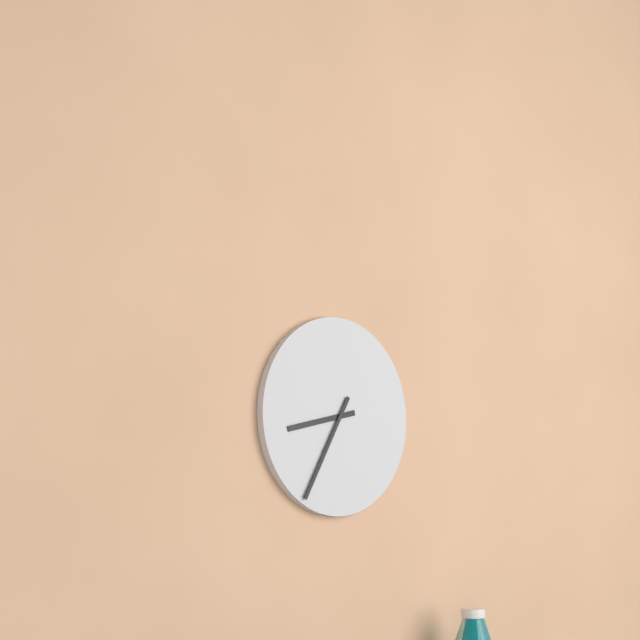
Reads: 8:35
